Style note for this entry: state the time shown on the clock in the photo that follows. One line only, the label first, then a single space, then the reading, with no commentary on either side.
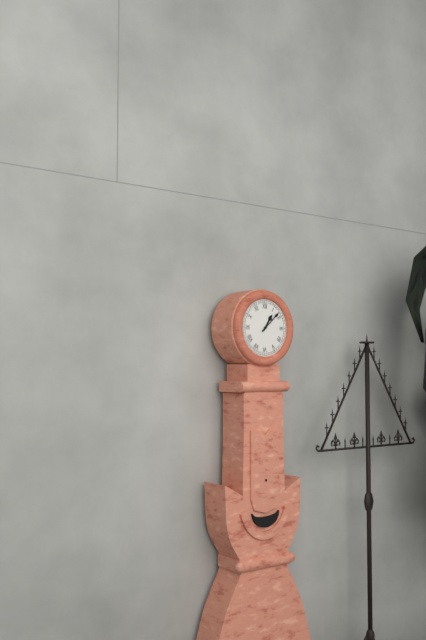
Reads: 1:08
